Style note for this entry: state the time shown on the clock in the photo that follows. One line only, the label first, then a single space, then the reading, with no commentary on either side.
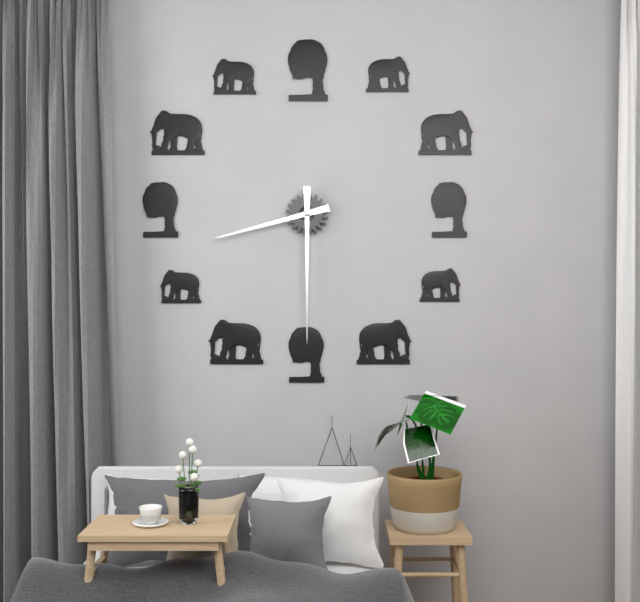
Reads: 8:30
